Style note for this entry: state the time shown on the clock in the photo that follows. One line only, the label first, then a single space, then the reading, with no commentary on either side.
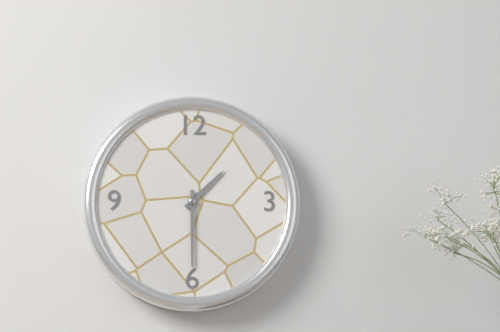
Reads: 1:30
